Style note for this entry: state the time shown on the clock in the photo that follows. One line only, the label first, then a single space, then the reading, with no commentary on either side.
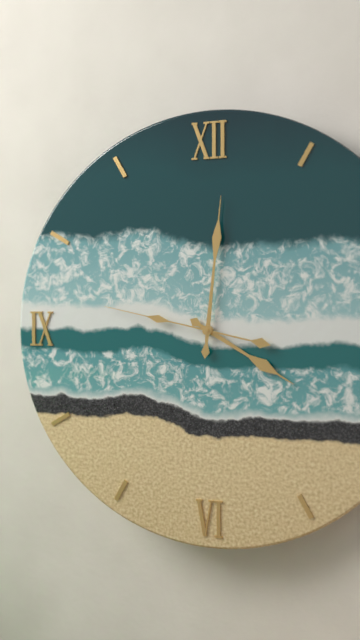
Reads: 4:01:47
